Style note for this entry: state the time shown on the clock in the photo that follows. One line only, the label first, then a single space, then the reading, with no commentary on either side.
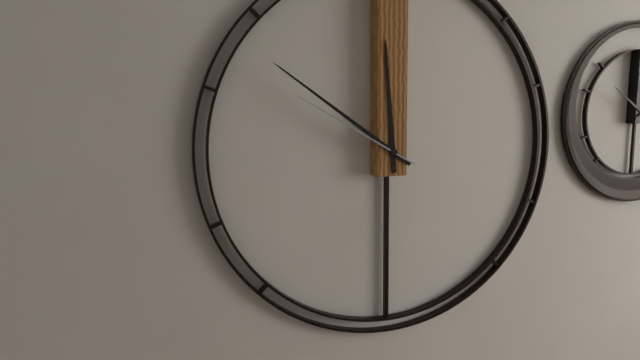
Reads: 11:51:50
